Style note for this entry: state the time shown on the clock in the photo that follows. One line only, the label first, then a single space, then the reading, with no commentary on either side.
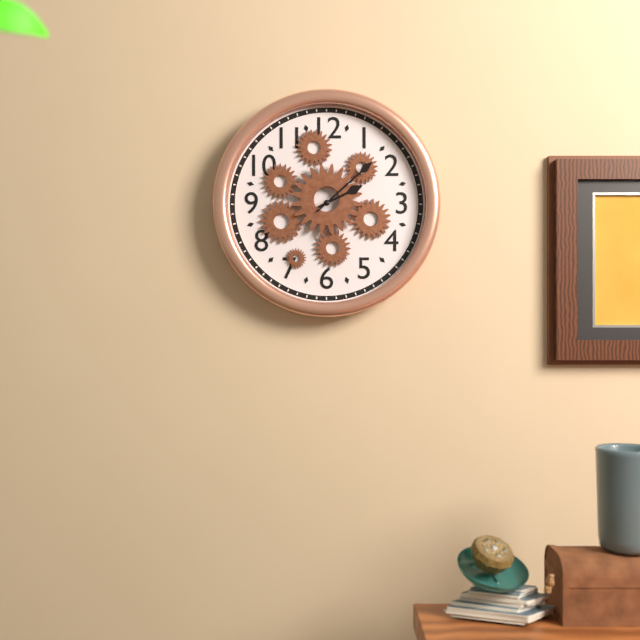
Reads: 2:08
